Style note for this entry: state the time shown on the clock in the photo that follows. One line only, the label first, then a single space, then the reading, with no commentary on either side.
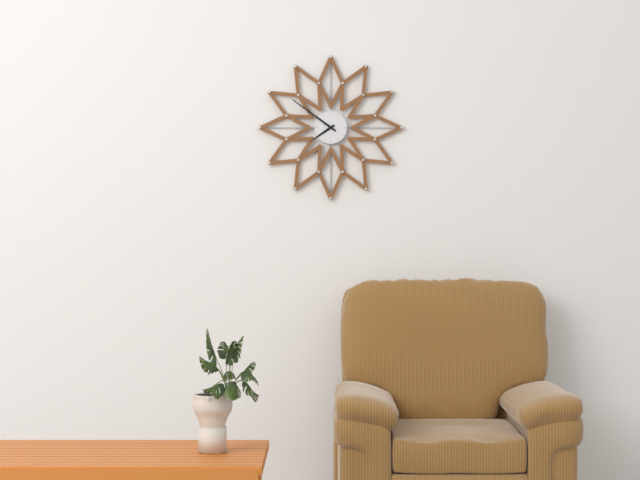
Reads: 7:51
